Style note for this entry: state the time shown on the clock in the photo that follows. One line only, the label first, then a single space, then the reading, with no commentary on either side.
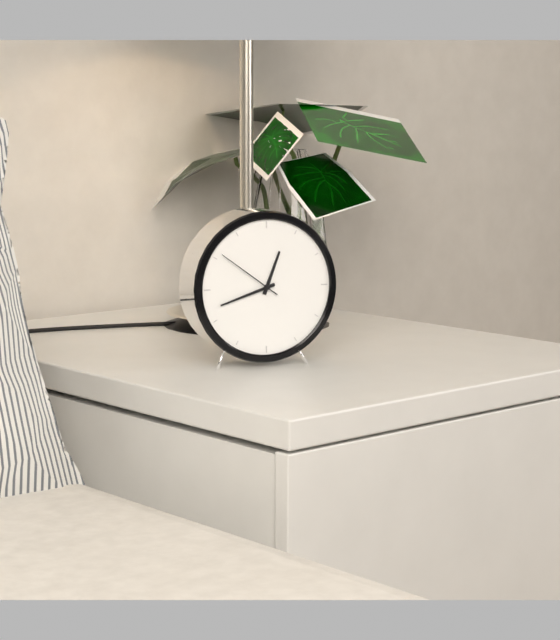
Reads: 12:42:51
